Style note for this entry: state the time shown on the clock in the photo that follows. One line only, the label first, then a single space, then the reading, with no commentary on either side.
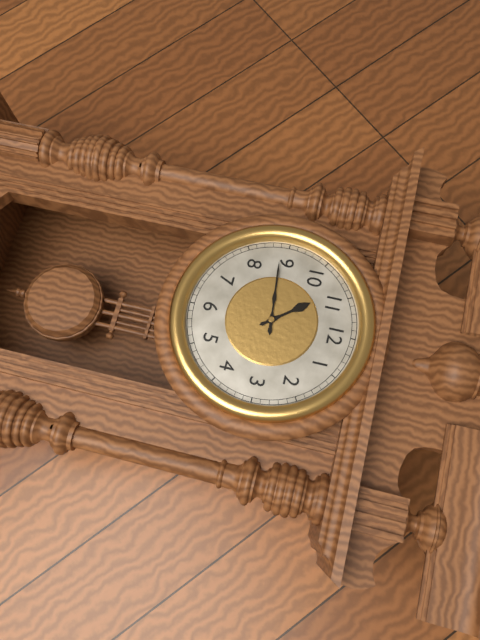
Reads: 10:44
